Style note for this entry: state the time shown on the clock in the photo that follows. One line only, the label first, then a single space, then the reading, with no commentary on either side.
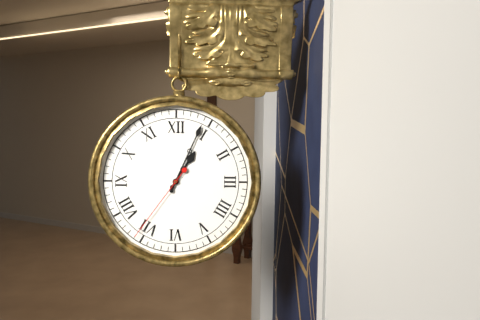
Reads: 1:04:36
